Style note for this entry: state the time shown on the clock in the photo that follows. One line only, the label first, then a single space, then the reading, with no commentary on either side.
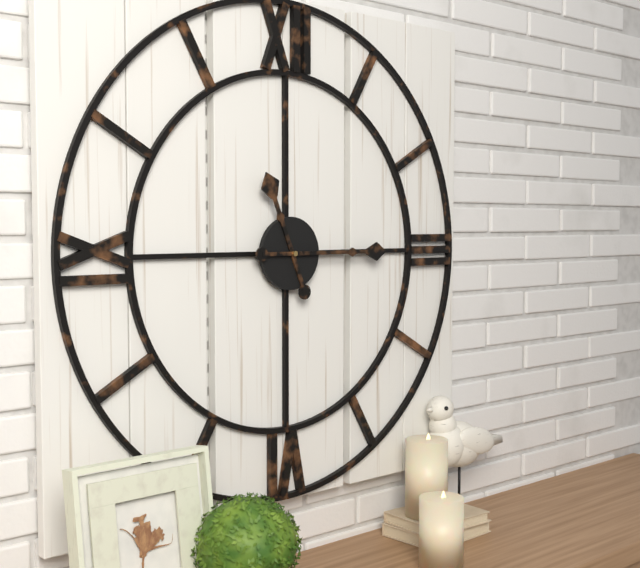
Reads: 11:15
